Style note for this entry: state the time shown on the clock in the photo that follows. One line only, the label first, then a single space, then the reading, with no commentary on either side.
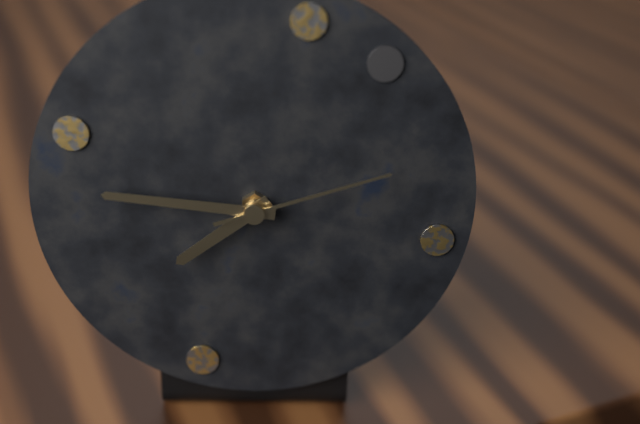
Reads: 7:46:12
